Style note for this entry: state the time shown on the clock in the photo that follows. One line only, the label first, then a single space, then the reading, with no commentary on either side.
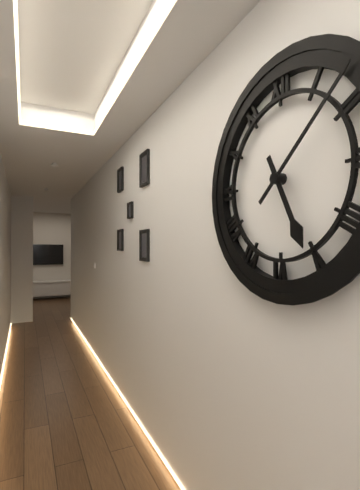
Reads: 5:08
